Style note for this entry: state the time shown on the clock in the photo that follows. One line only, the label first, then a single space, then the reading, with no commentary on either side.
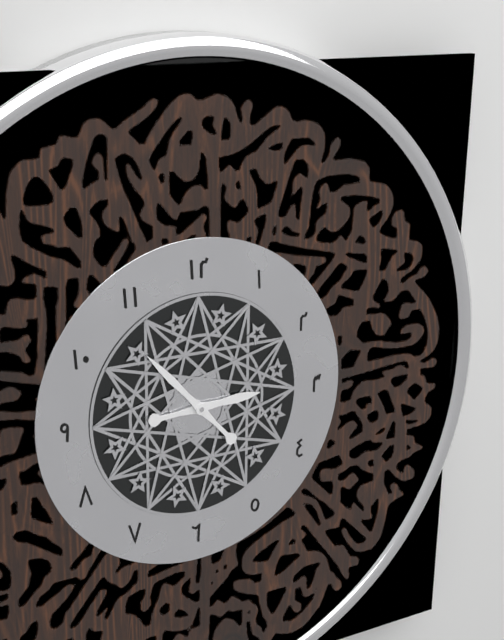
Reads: 2:53
